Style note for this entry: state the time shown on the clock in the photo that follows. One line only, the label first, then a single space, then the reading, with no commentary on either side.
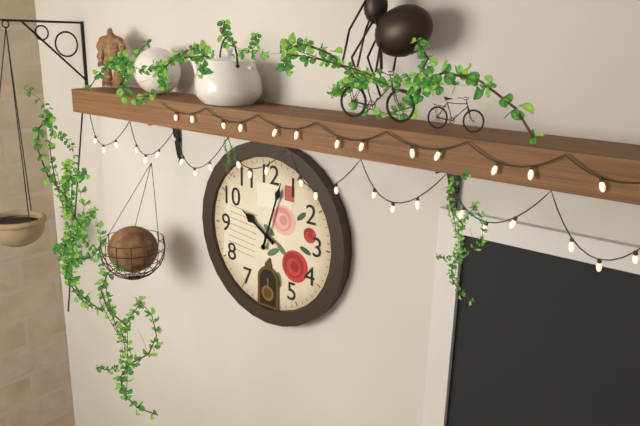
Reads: 10:03
